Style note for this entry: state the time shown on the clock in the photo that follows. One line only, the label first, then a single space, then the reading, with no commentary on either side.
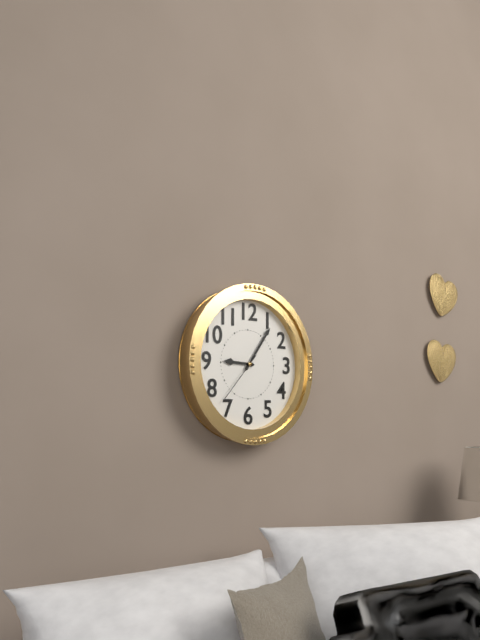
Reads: 9:06:37
